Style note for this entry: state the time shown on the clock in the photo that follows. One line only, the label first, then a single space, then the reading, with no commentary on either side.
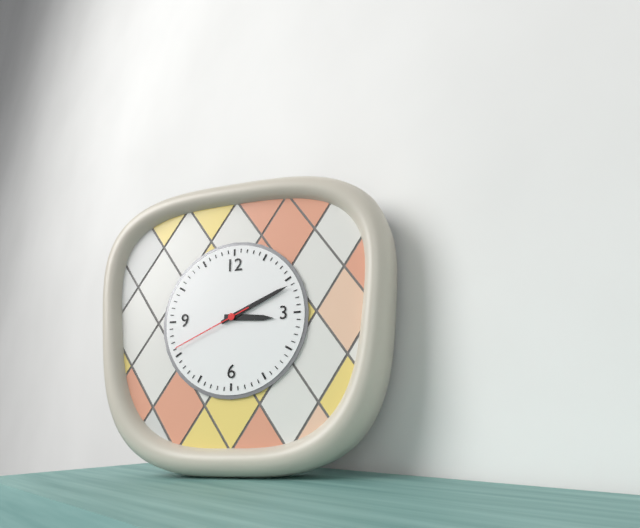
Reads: 3:11:41
